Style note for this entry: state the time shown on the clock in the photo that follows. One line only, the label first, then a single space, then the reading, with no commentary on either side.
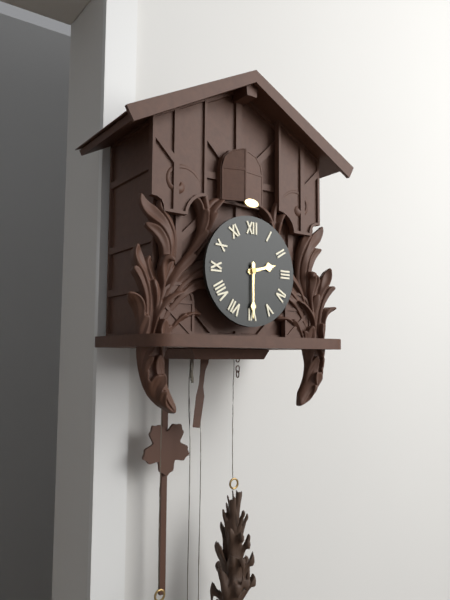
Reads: 2:30
